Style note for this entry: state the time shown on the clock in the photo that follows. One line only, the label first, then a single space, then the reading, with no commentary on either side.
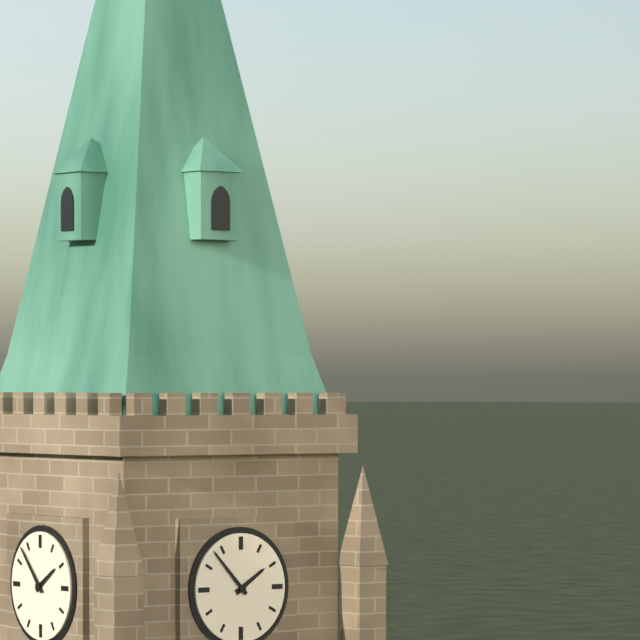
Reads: 1:53
